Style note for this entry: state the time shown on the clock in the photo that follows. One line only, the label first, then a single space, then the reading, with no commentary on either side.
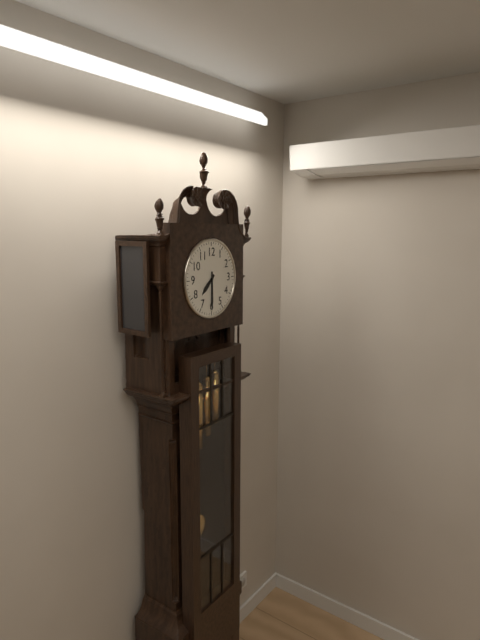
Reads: 7:30
